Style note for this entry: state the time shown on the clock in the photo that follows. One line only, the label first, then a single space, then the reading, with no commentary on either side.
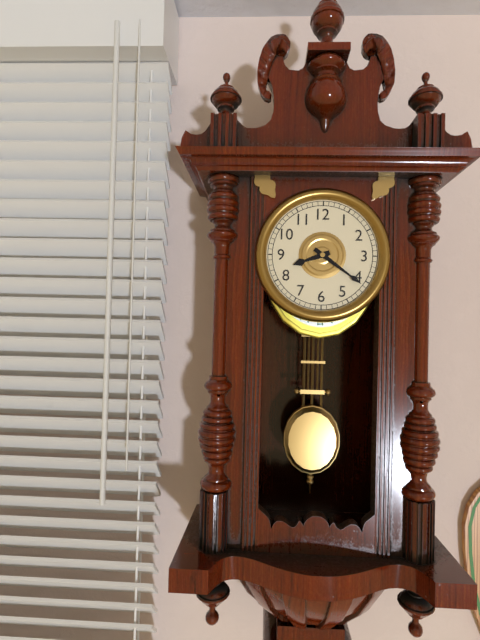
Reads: 8:21
